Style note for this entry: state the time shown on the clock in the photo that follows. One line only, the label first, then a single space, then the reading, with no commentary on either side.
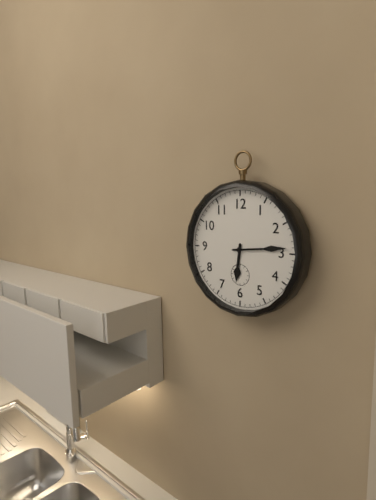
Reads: 6:14
